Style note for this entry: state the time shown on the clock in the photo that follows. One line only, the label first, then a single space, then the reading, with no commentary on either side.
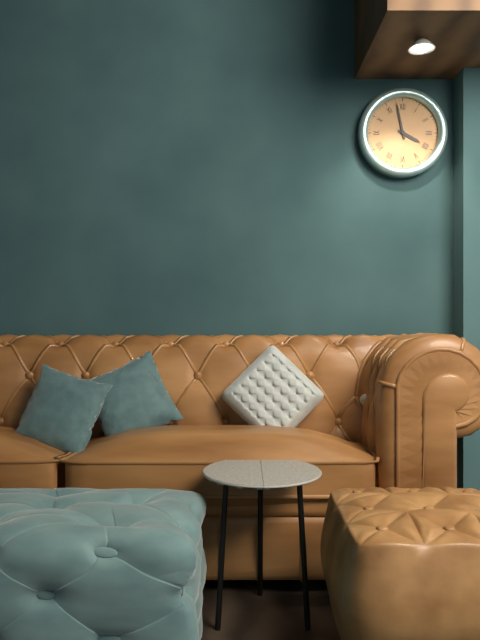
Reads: 3:58
